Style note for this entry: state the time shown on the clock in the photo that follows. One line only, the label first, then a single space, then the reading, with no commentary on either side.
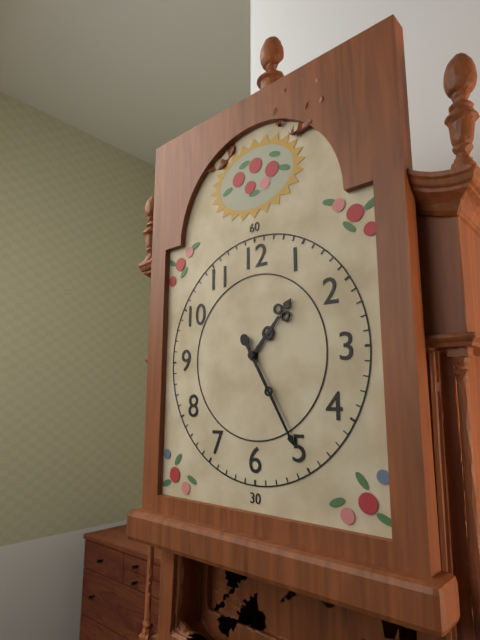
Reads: 1:25
